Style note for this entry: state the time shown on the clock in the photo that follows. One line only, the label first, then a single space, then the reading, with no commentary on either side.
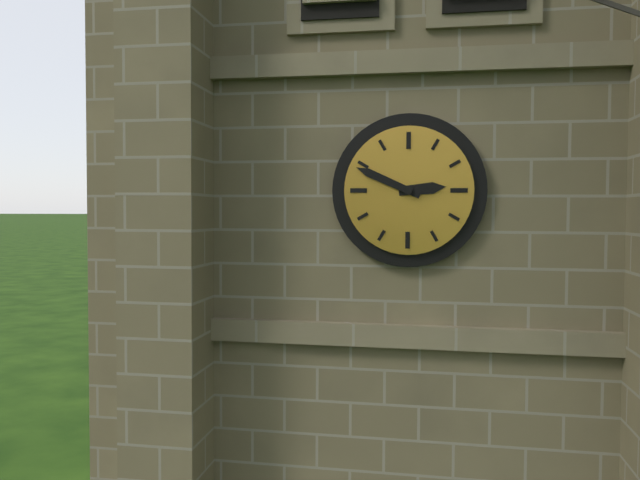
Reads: 2:49
